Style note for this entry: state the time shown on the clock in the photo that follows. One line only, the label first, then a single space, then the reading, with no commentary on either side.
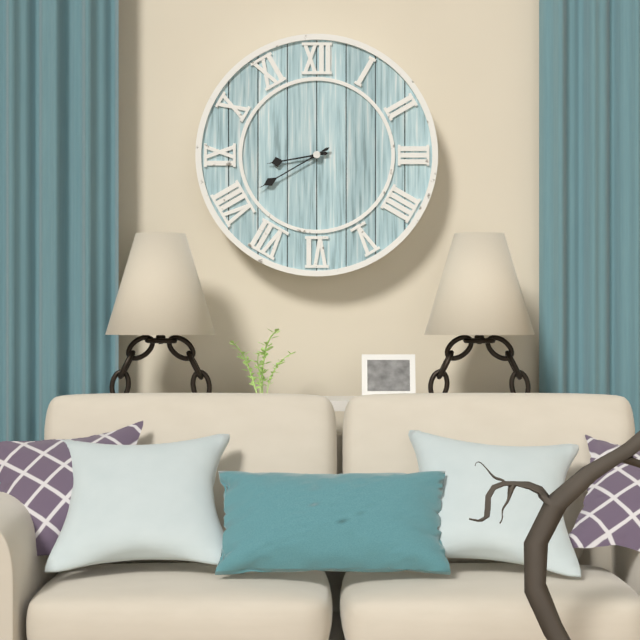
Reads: 8:40
